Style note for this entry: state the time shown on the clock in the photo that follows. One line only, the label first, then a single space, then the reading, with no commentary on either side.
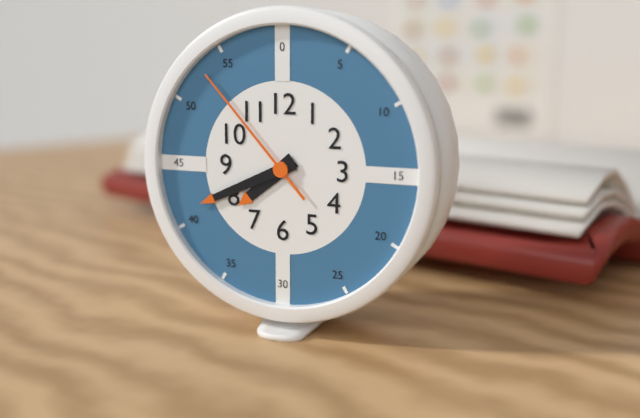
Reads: 7:41:53
